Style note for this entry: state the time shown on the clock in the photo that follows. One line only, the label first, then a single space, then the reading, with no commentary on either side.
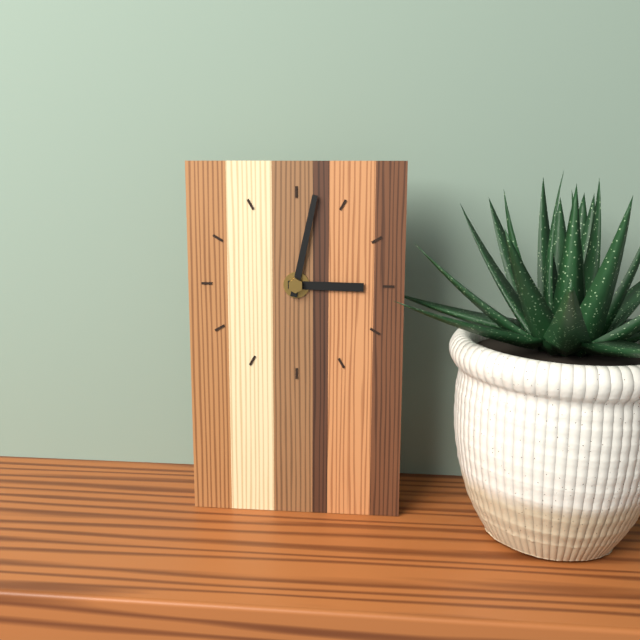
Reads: 3:02
